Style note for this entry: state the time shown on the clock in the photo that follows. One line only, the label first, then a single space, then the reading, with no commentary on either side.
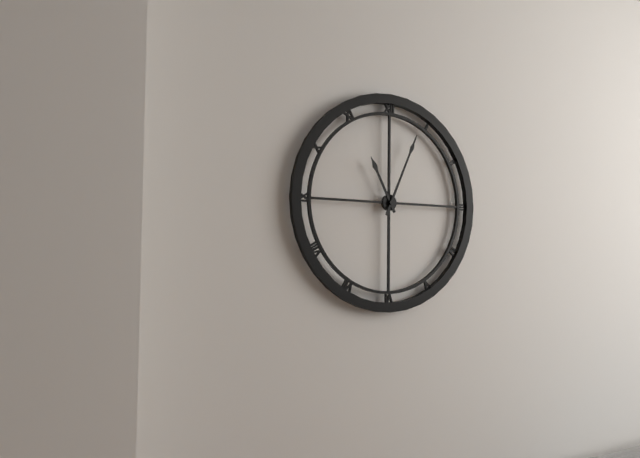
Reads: 11:04
